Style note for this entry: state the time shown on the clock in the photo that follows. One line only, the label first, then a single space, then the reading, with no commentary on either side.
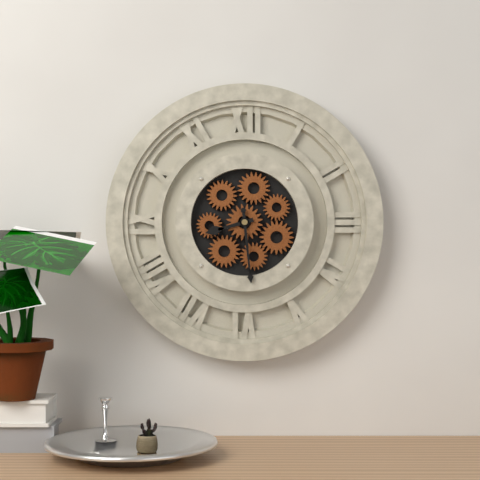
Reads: 8:29
